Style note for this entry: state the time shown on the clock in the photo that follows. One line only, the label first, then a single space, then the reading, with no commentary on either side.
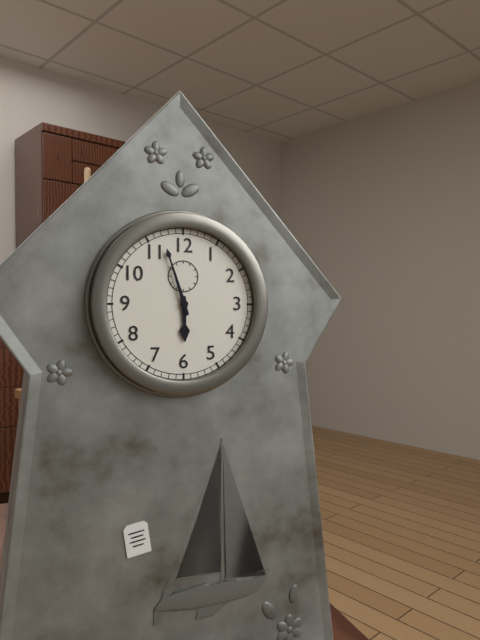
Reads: 5:57
